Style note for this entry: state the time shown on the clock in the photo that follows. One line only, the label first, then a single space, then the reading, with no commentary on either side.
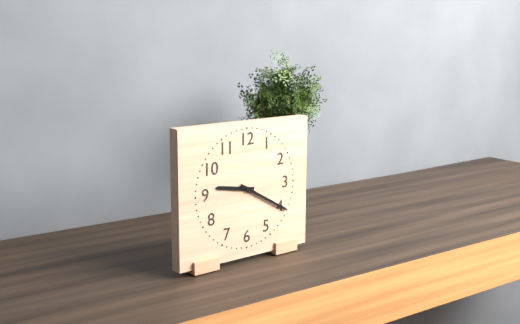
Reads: 9:20
